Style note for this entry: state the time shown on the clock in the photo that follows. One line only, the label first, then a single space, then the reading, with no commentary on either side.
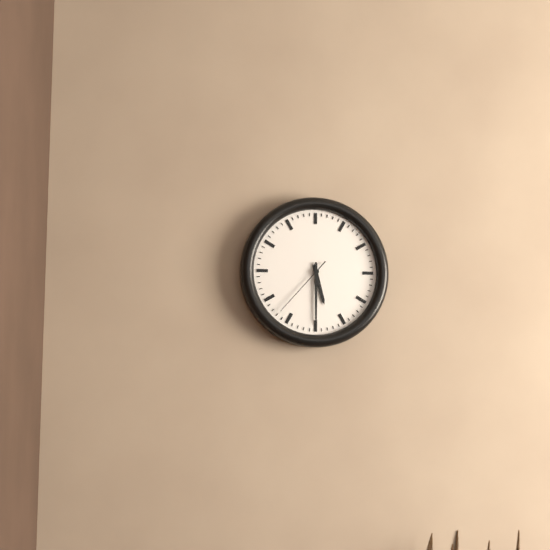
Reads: 5:30:37
